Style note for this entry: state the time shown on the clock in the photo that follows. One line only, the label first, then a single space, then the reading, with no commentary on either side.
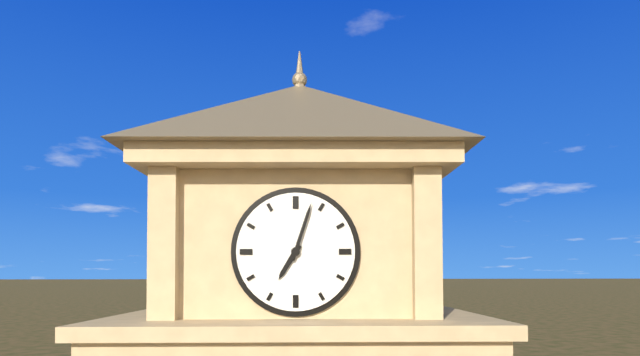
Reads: 7:03
